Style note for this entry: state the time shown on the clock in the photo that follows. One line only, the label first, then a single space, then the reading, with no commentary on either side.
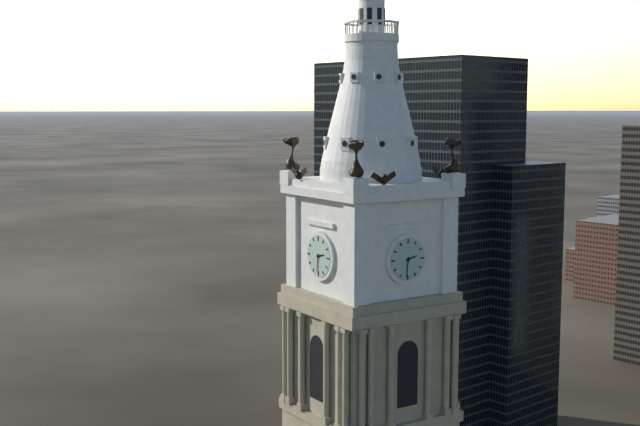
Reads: 2:31
